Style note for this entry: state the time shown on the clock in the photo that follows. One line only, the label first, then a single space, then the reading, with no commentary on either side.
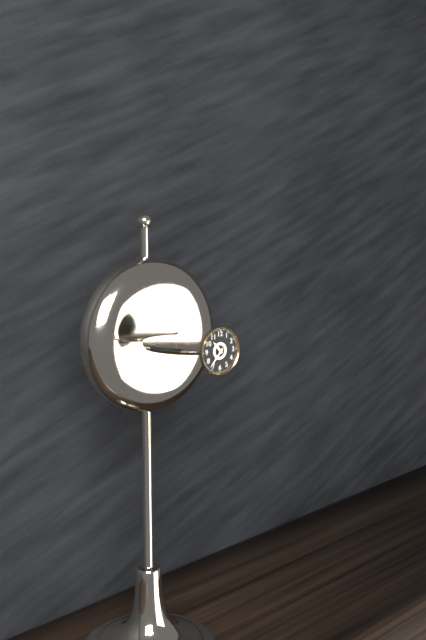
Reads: 10:37
